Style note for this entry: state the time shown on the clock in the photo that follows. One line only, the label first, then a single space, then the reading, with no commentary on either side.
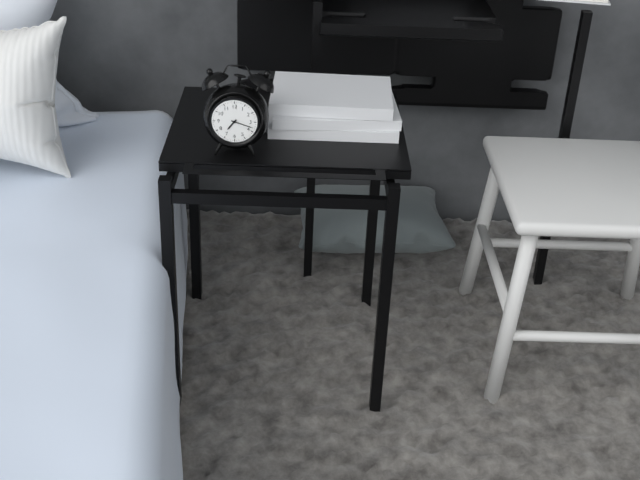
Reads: 7:18
